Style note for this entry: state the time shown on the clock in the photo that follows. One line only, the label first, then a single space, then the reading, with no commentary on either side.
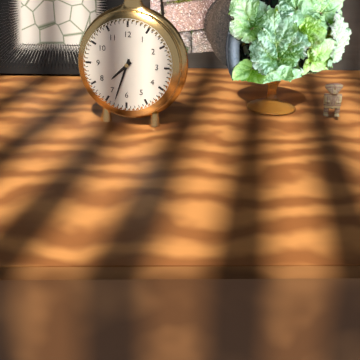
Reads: 7:33
